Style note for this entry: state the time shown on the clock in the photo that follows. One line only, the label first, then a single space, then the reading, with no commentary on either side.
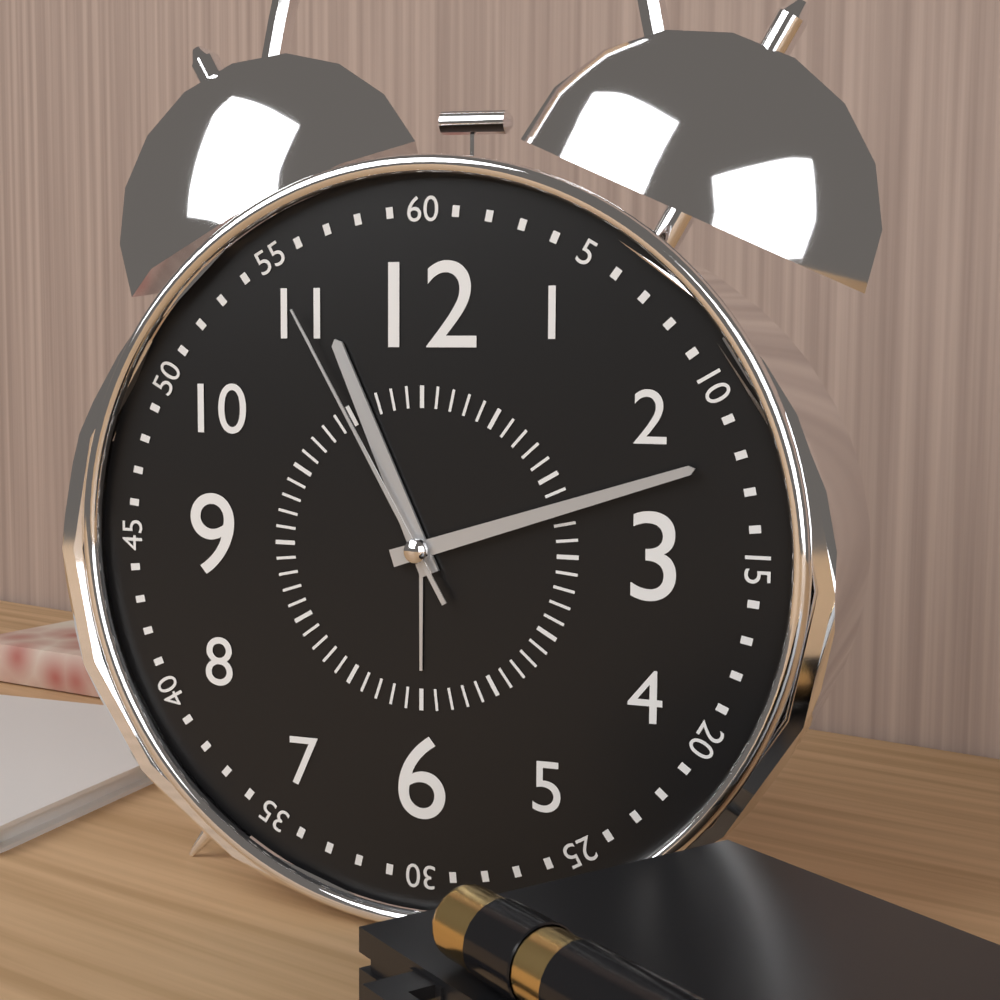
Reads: 11:12:55
